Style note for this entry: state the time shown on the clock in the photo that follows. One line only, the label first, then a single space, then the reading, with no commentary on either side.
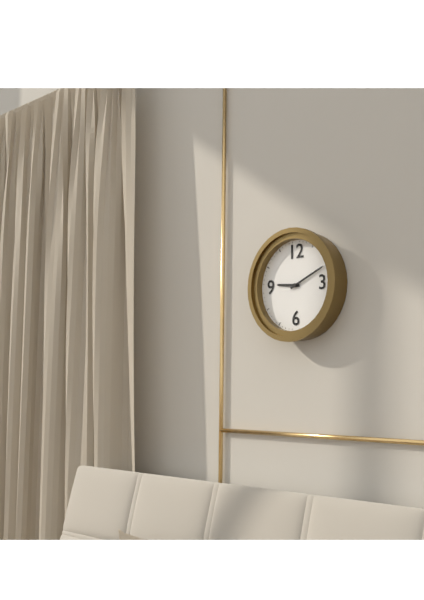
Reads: 9:11
